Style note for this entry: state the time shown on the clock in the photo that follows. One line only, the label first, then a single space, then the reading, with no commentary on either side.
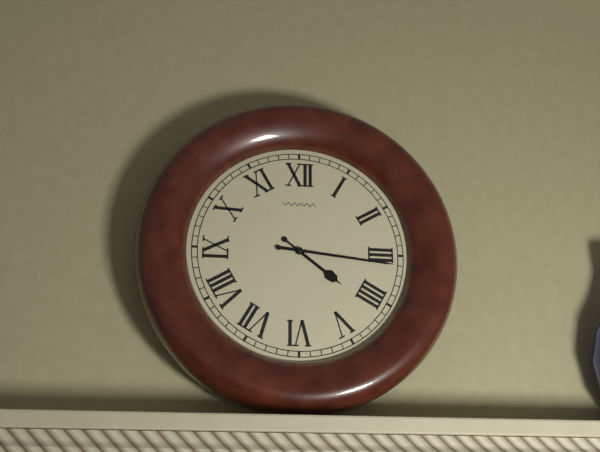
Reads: 4:16
